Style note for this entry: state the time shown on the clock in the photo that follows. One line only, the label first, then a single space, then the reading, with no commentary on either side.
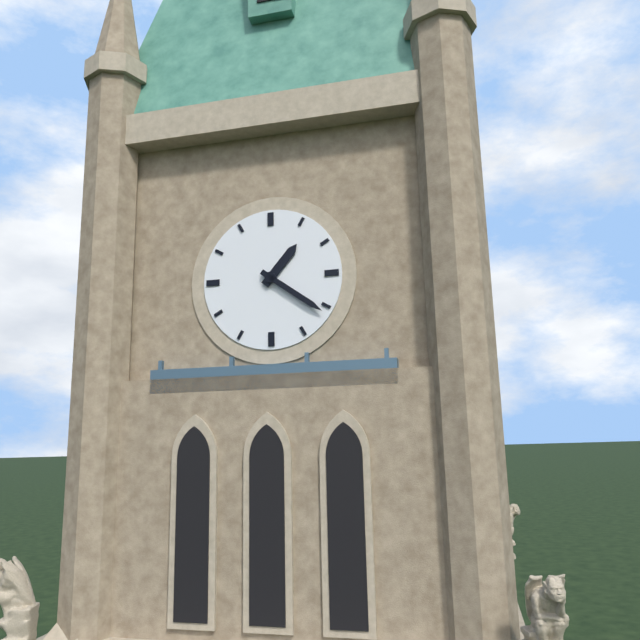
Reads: 1:21
